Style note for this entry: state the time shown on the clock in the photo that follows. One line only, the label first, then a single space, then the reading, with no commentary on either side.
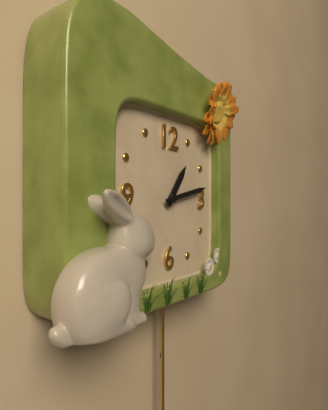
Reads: 1:13
